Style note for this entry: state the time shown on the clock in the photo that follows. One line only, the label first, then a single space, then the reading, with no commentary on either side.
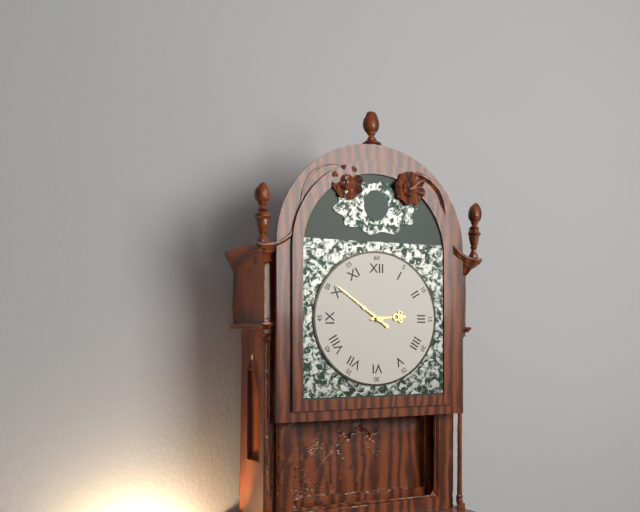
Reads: 2:51
